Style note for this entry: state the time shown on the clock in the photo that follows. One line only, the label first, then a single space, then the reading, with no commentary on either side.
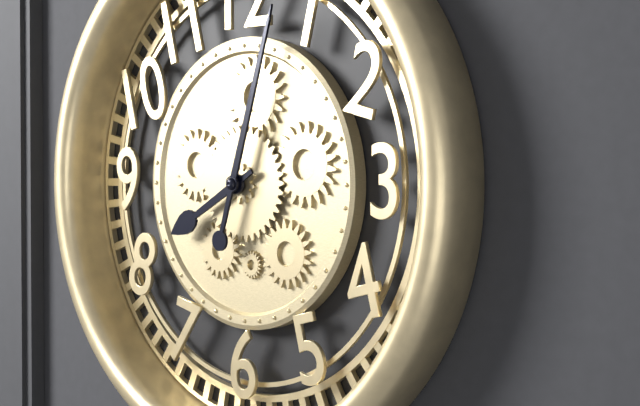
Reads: 8:03
